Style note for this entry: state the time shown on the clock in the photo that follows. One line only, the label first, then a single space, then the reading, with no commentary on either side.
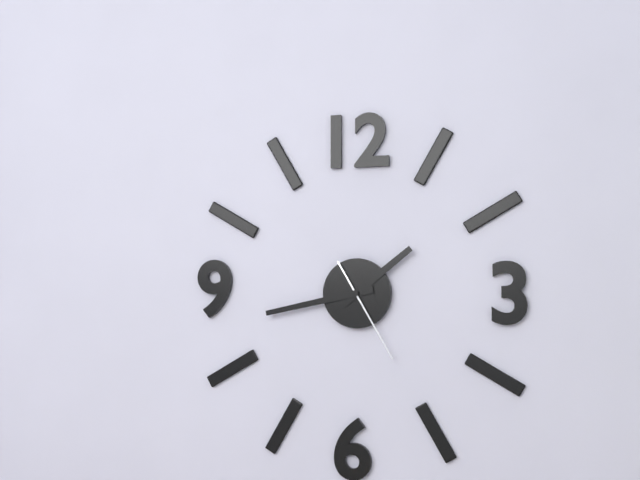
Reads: 1:43:25
